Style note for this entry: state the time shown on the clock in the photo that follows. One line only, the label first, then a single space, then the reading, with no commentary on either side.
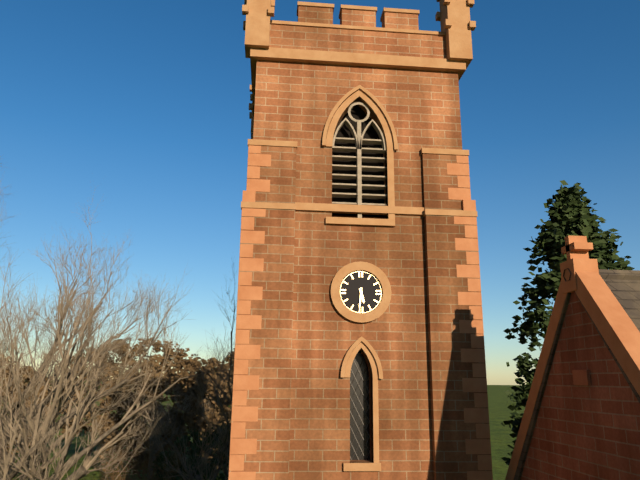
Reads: 5:31
